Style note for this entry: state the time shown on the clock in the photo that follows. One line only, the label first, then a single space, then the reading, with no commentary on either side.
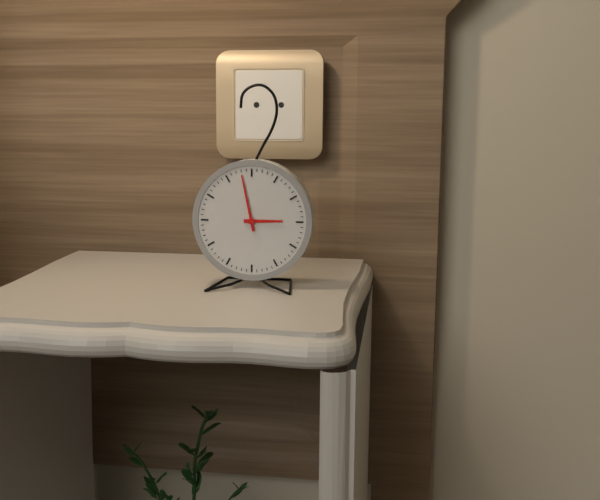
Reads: 2:58
